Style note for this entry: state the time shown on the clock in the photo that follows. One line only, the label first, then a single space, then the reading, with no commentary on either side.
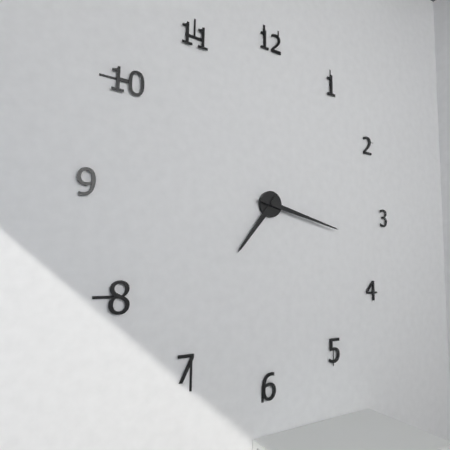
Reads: 7:17
